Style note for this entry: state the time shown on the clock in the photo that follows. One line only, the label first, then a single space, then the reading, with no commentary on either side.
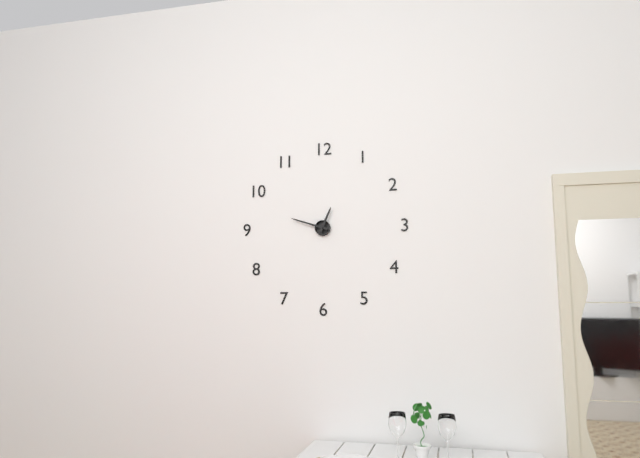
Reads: 12:48
